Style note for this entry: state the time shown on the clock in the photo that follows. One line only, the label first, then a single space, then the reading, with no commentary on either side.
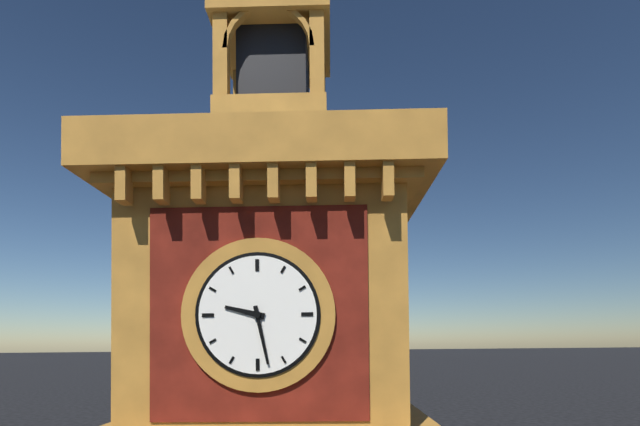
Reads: 9:28
